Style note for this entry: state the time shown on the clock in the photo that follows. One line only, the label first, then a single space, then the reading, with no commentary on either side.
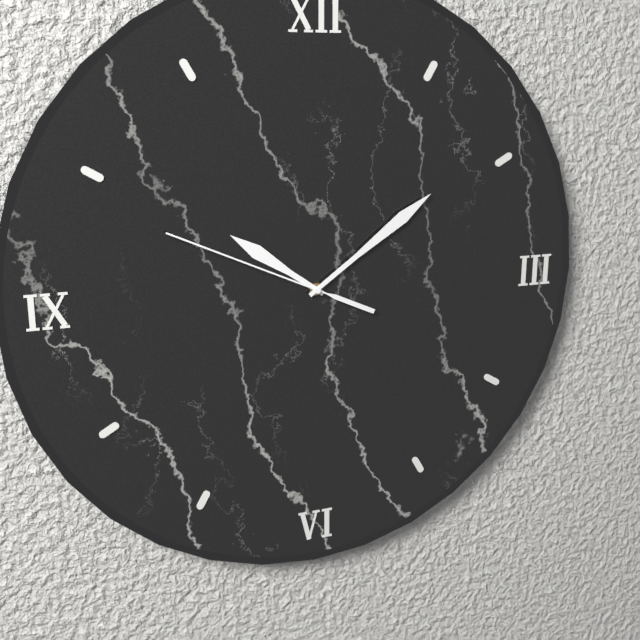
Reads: 10:09:49
